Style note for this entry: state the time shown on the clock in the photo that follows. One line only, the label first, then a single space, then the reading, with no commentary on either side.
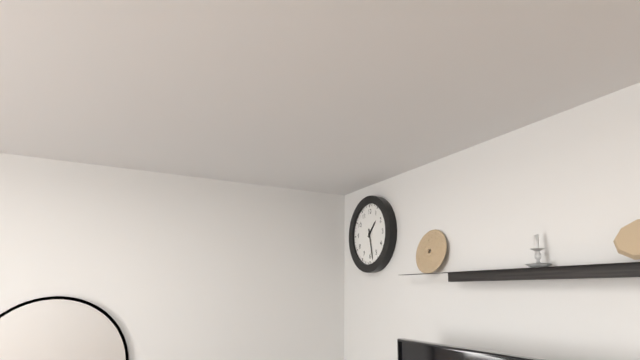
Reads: 1:28
